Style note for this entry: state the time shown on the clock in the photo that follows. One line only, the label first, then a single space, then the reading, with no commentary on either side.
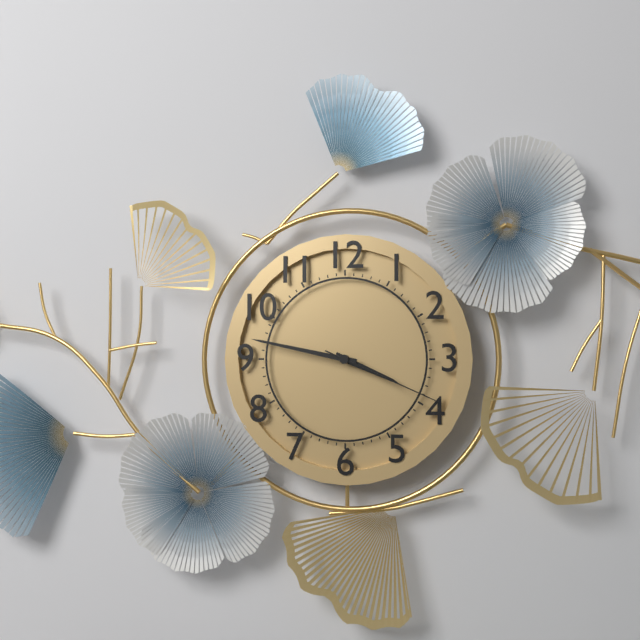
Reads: 3:47:19
